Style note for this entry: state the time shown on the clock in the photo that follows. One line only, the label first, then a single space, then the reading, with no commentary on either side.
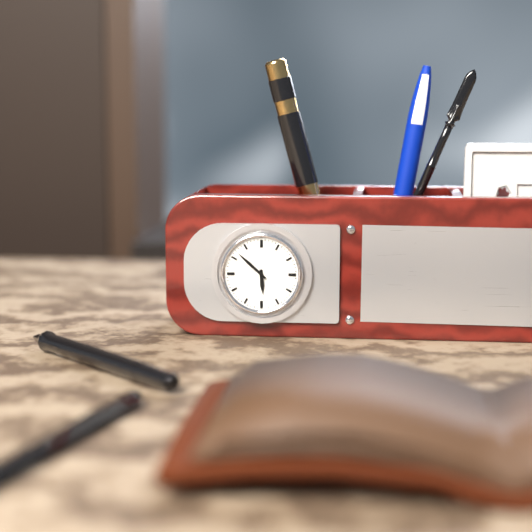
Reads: 5:52
